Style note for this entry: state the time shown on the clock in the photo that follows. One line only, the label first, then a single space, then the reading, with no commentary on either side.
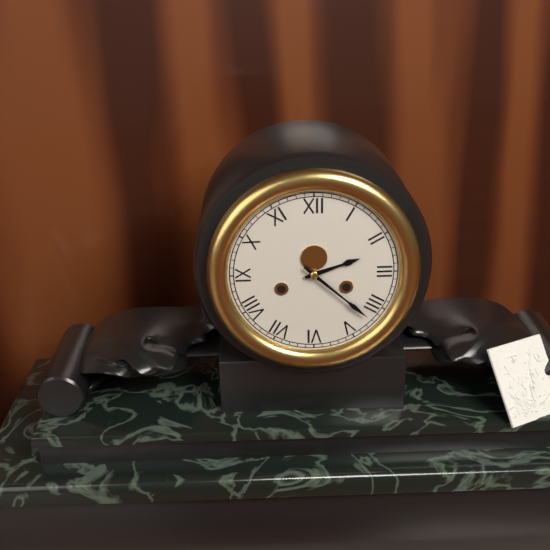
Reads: 2:22
